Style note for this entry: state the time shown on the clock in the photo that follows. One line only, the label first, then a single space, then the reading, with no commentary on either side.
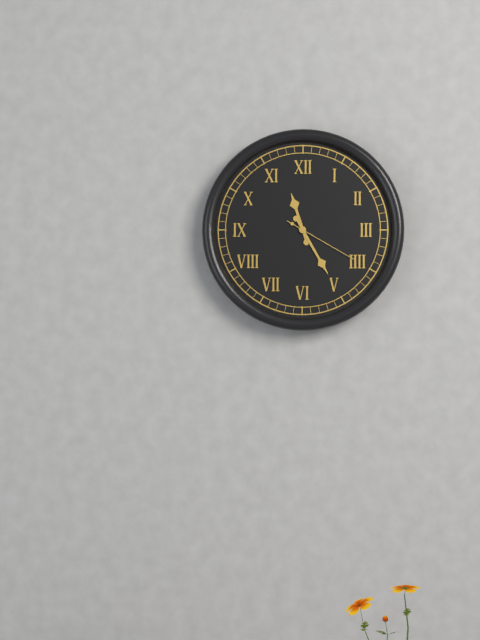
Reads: 11:25:20
